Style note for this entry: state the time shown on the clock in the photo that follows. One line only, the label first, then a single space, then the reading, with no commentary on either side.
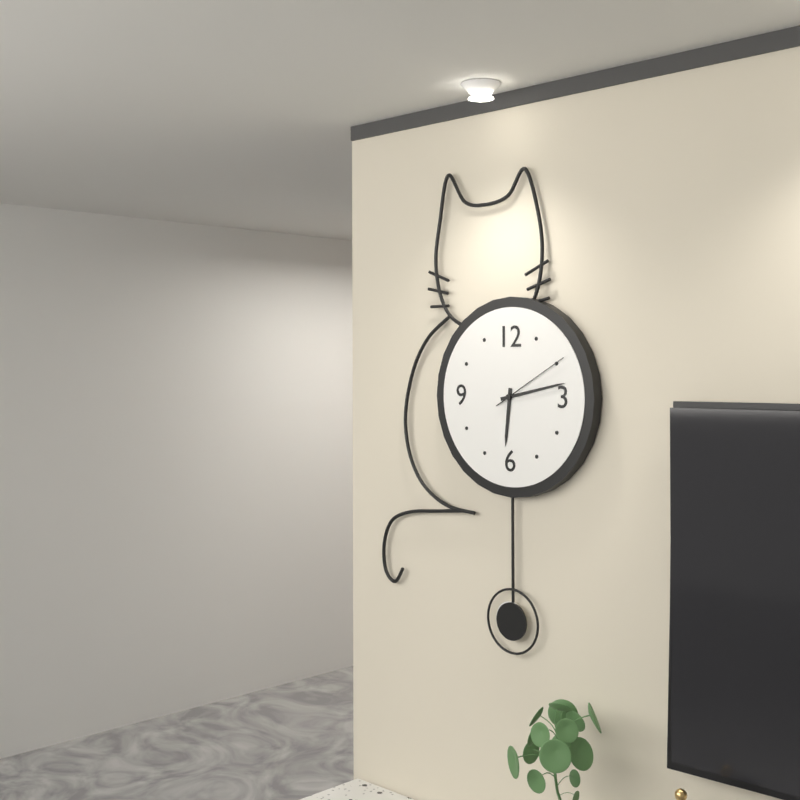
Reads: 6:13:10
